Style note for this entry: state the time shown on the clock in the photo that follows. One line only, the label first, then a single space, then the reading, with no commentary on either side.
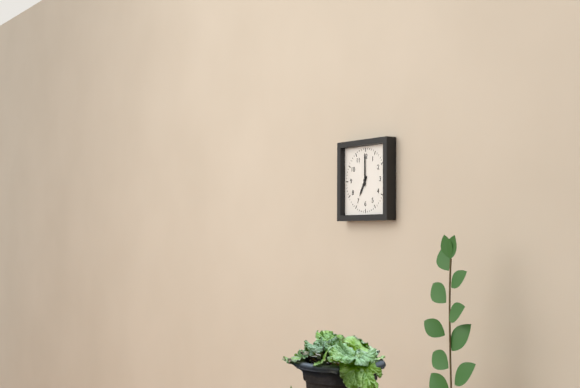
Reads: 7:00
